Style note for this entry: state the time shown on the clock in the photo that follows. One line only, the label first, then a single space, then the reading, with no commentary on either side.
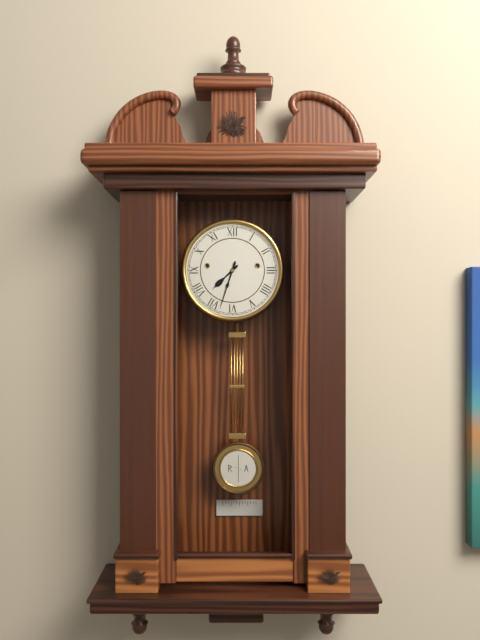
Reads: 7:33
